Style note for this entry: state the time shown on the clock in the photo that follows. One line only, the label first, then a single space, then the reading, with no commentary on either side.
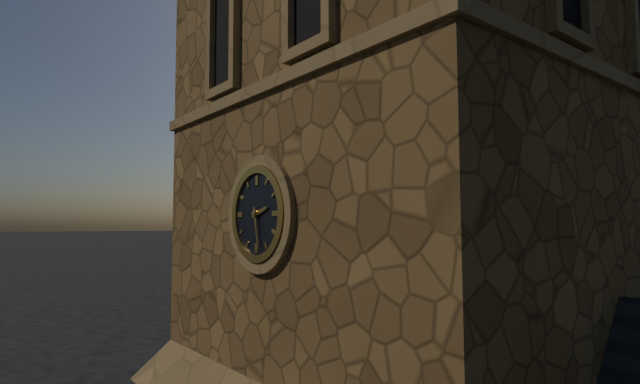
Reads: 2:28
